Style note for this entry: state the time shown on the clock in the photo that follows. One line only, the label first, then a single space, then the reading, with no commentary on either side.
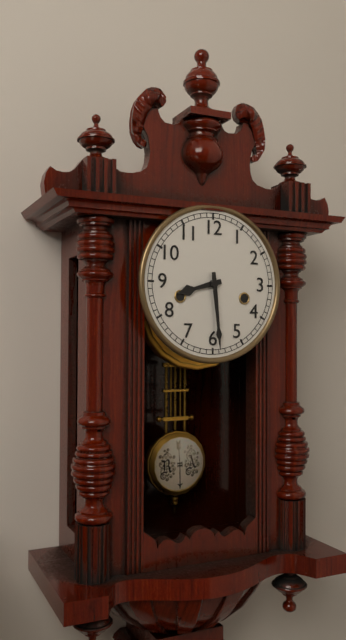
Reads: 8:29
